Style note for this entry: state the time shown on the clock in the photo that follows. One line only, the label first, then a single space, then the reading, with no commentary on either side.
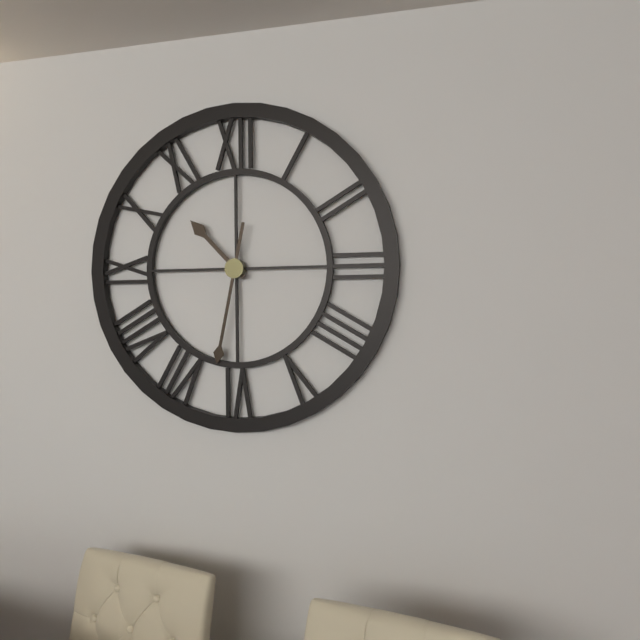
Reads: 10:32
